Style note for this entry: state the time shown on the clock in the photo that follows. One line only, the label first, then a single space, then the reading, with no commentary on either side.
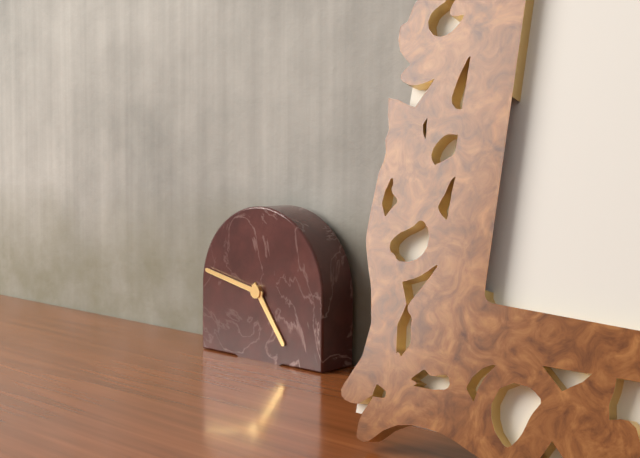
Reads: 4:47
